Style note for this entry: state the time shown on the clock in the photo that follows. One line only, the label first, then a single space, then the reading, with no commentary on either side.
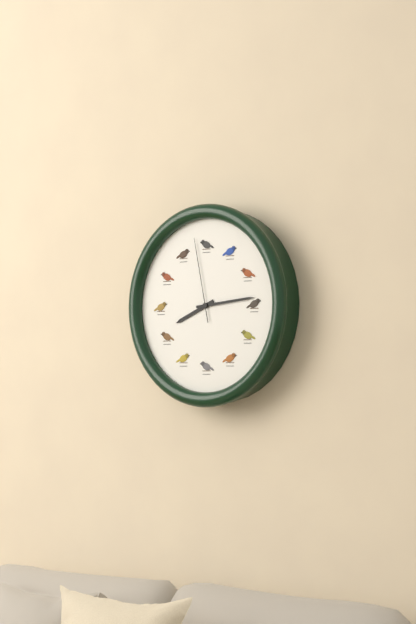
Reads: 8:14:58
